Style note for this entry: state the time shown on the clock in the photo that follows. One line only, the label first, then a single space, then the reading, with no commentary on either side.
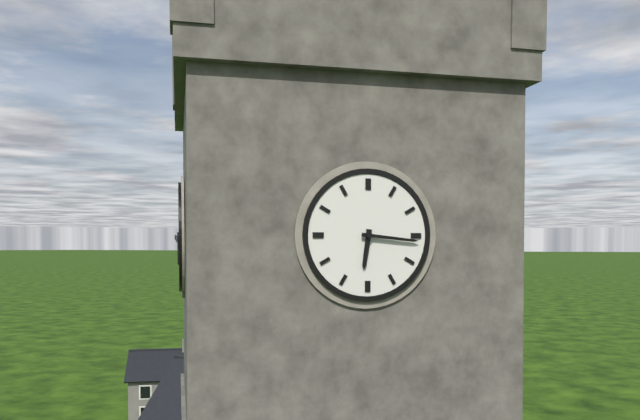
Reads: 6:16
